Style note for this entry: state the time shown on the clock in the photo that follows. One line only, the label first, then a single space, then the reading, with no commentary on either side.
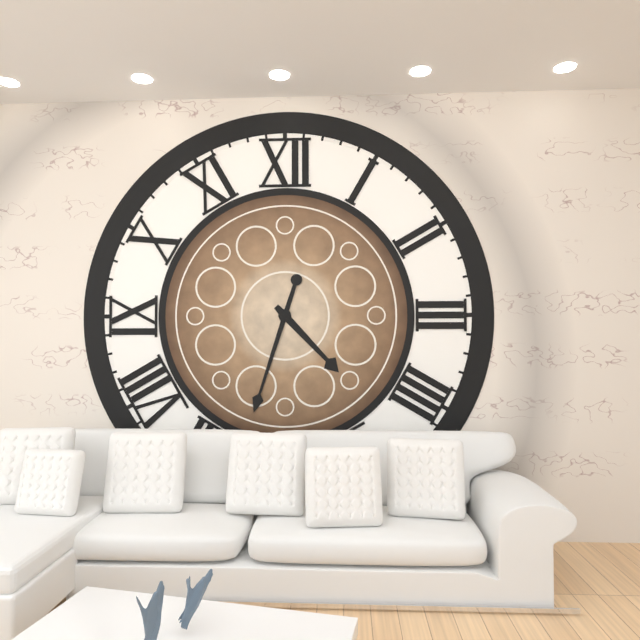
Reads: 4:33
